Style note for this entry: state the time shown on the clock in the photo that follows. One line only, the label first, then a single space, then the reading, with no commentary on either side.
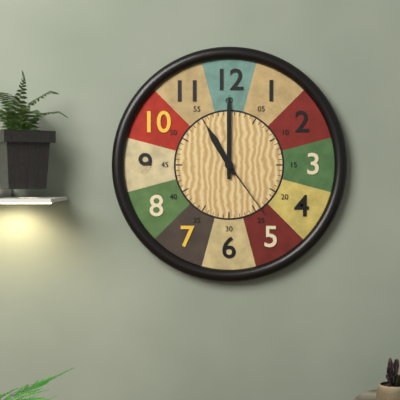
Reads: 11:00:24
